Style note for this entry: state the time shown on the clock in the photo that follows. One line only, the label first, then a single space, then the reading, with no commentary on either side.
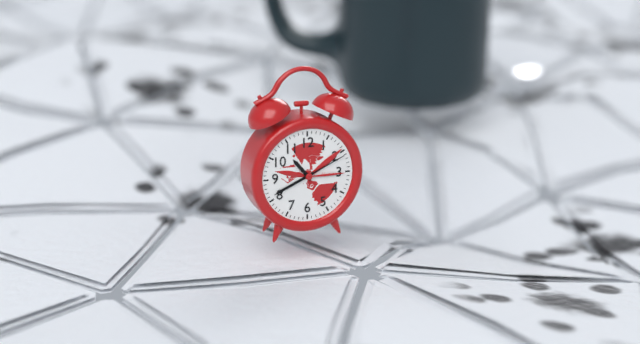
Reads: 10:41:11
